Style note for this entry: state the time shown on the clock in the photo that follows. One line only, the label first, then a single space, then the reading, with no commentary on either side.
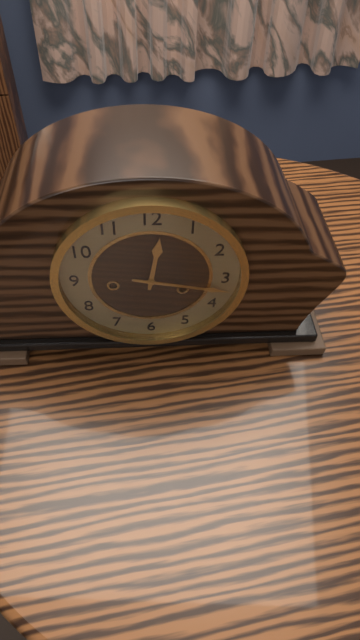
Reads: 12:17
